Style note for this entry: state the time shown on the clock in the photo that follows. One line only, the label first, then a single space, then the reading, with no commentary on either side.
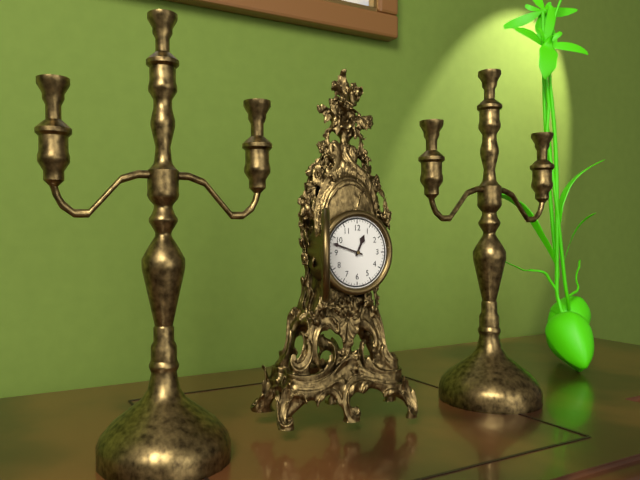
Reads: 12:48
